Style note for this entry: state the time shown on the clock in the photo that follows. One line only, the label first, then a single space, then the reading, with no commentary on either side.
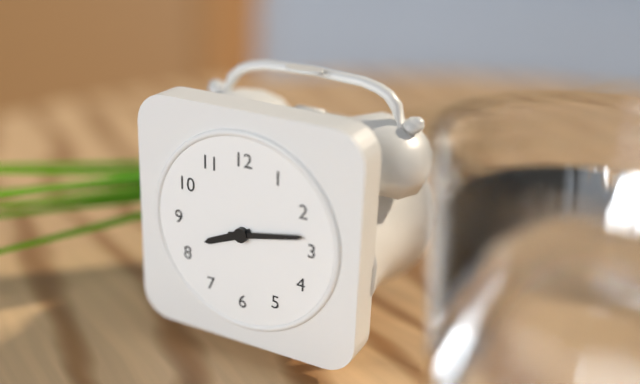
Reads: 8:13
